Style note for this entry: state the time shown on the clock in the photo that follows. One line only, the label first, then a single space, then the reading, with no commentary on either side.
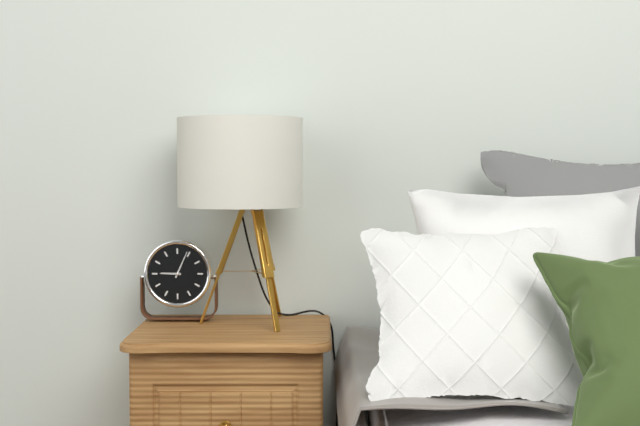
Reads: 9:04
